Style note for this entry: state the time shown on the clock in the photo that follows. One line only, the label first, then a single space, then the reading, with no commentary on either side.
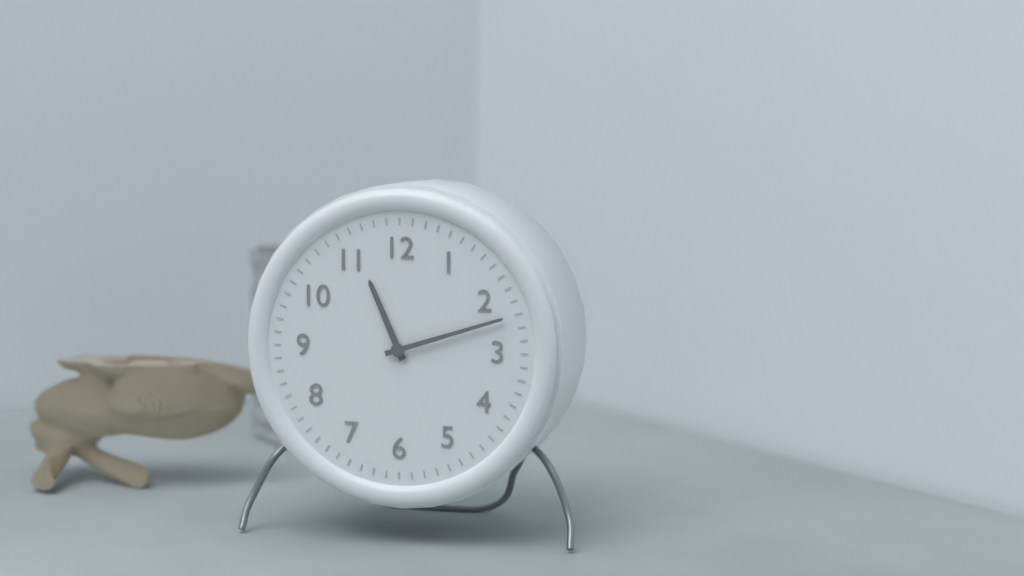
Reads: 11:12
